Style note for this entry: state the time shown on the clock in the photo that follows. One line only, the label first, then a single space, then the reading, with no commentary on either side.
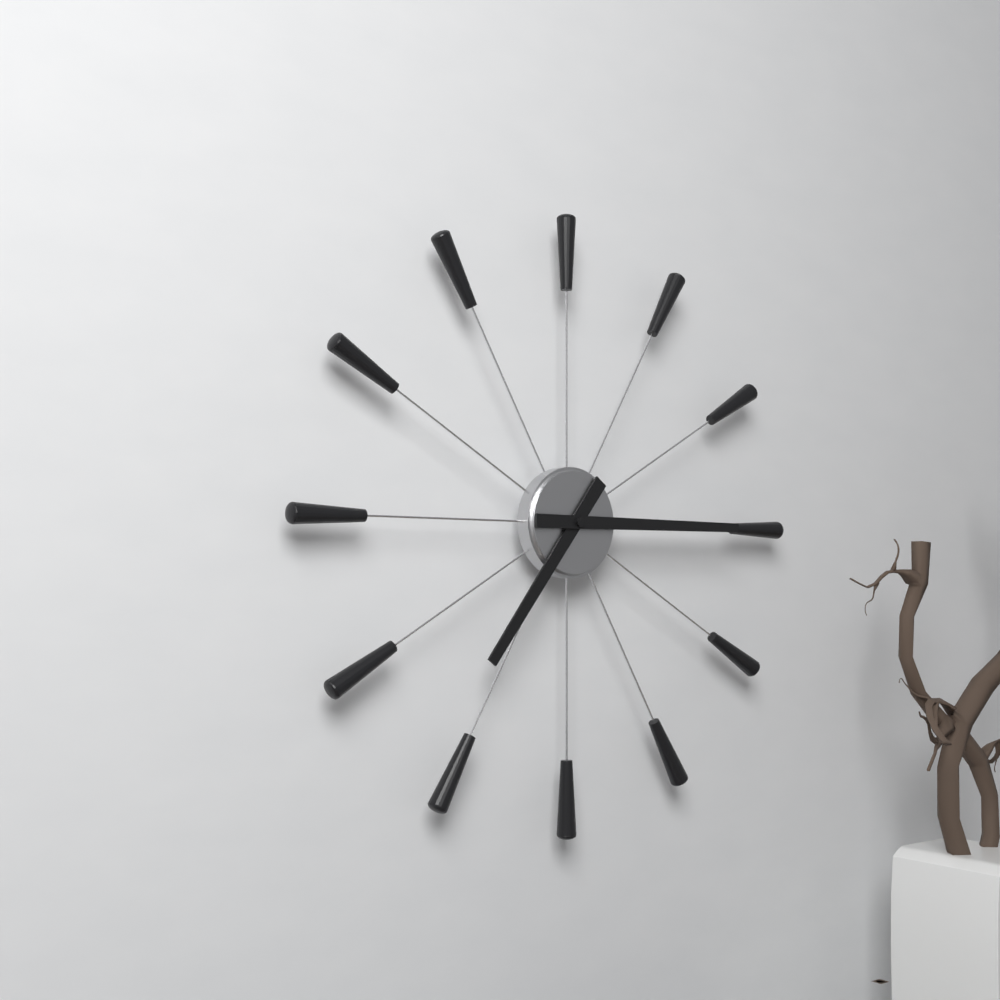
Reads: 7:15
